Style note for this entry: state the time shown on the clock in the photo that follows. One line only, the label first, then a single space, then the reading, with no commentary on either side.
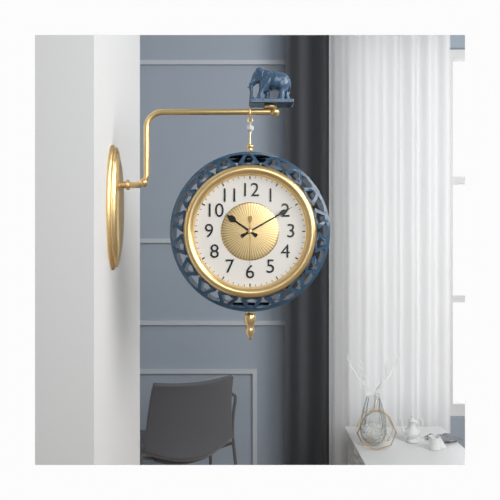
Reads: 10:10:30
